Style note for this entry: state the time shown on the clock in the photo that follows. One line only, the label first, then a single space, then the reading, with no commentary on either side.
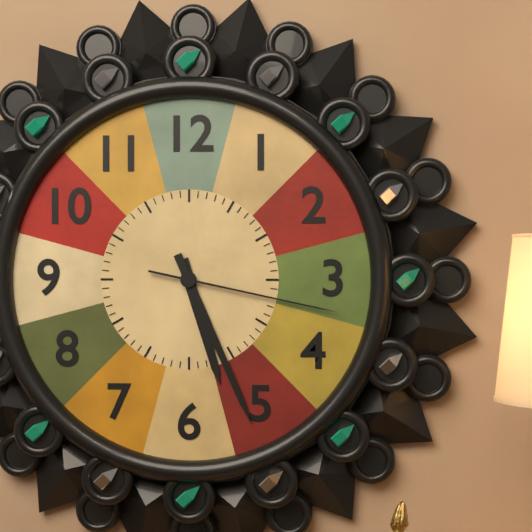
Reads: 5:26:17
